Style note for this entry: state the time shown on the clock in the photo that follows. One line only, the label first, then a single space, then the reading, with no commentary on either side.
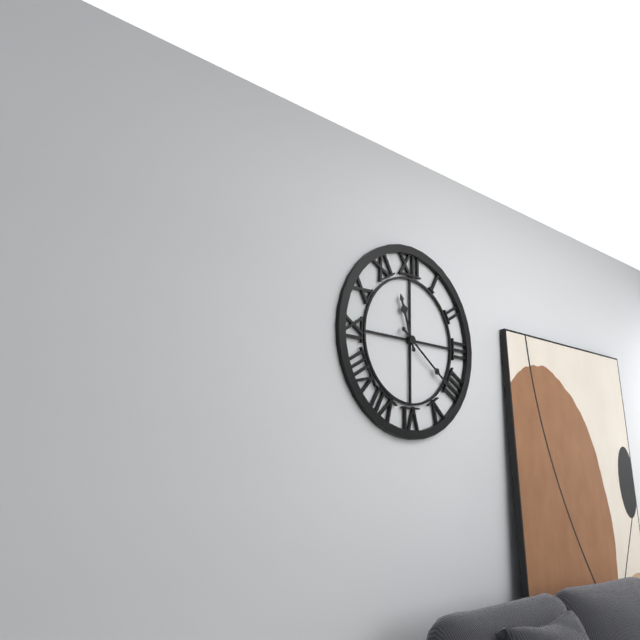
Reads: 11:21
